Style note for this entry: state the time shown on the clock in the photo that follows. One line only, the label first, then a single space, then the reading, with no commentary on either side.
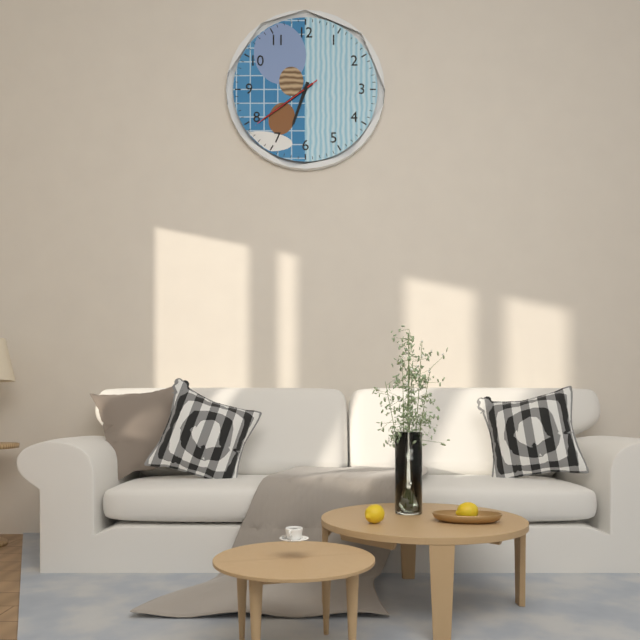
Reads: 6:39:39
